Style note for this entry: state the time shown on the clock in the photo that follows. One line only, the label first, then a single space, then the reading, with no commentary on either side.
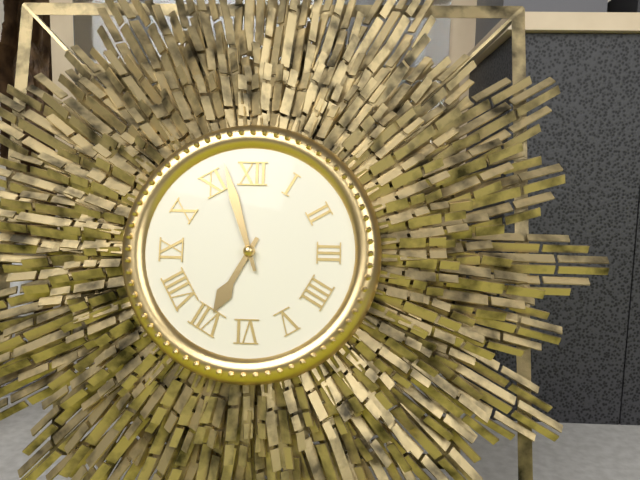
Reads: 6:57
